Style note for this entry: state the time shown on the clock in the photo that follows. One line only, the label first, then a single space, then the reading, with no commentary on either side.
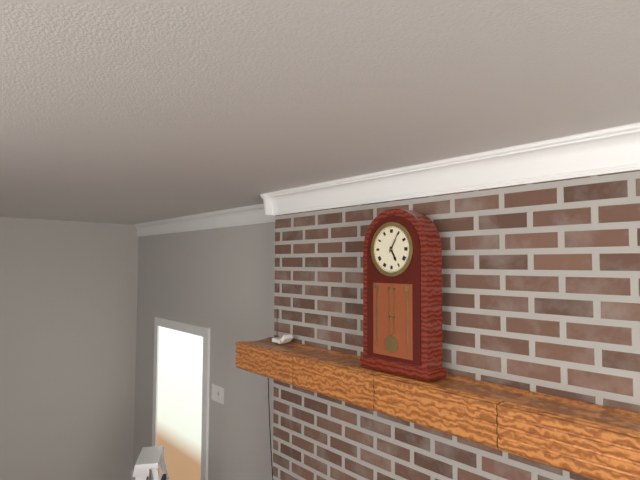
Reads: 5:05
